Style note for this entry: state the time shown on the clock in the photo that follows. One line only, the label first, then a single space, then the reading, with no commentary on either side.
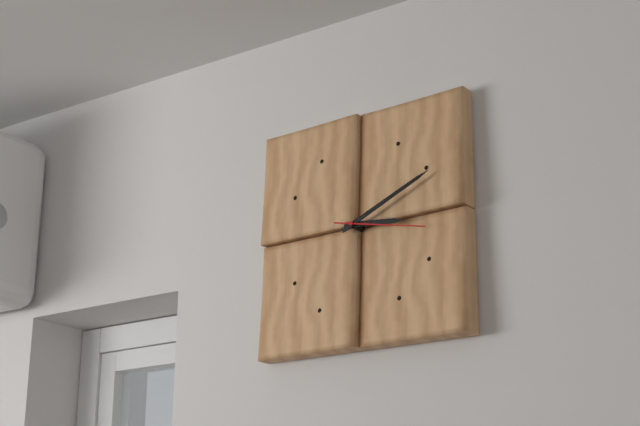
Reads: 3:11:17
